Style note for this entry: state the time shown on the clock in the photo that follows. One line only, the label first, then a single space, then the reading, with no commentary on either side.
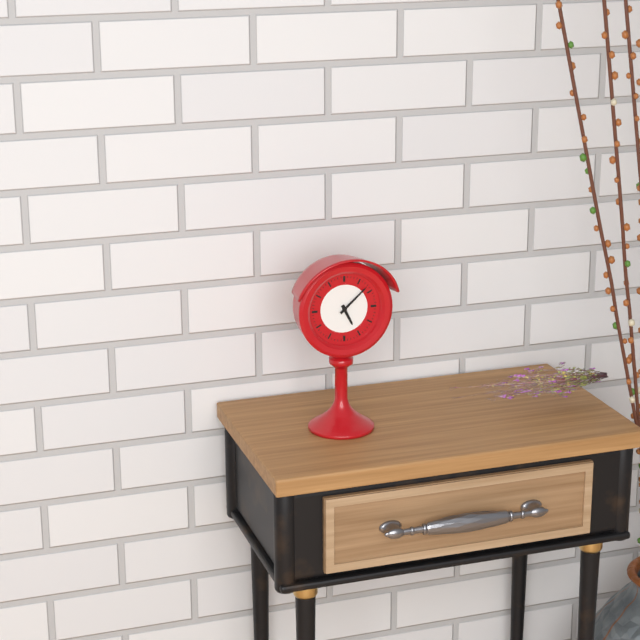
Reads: 5:08
